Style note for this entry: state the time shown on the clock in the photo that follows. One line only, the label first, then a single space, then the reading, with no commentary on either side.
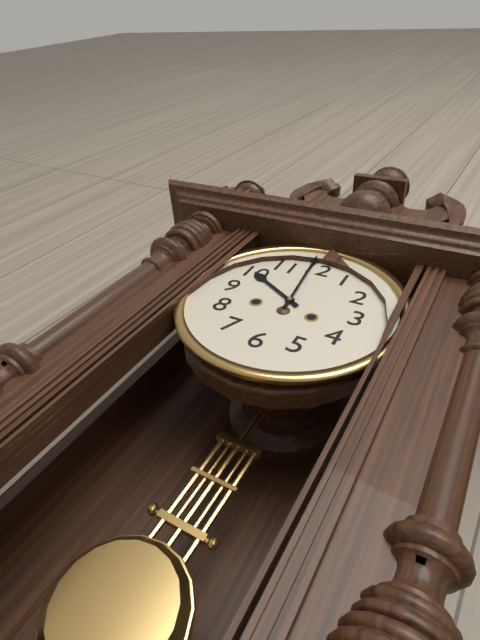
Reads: 9:59
